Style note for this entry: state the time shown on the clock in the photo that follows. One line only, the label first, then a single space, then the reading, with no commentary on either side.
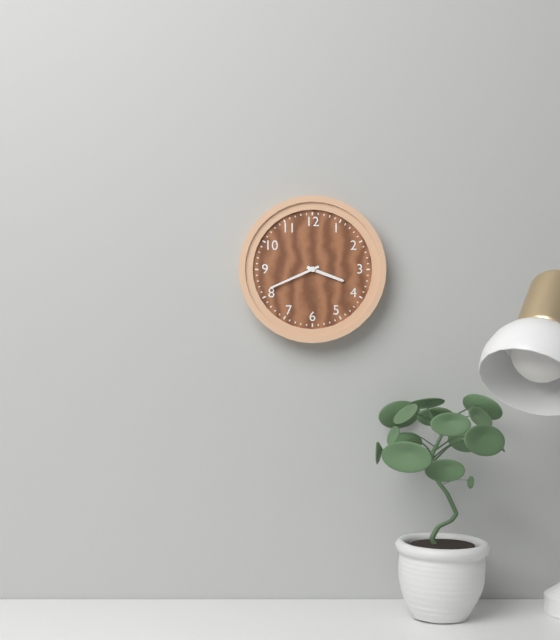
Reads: 3:41
